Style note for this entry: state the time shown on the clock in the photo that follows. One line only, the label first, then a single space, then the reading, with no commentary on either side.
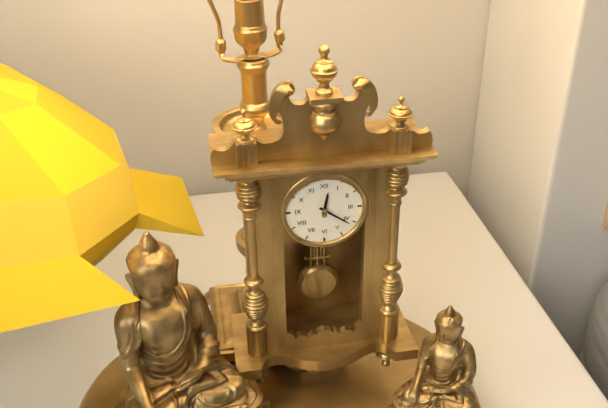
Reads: 12:21
